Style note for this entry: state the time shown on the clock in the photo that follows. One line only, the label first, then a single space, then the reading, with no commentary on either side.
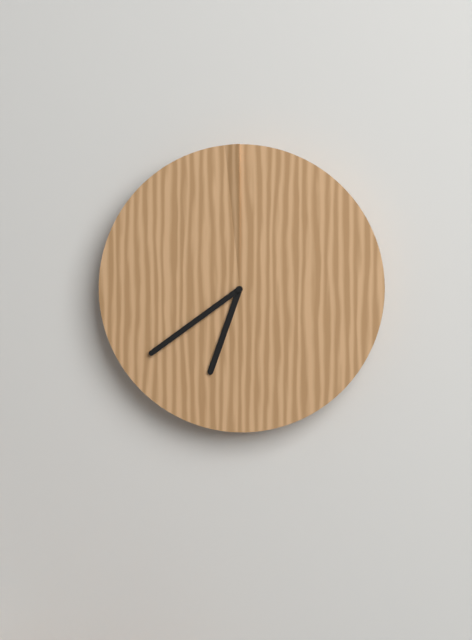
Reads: 6:39
